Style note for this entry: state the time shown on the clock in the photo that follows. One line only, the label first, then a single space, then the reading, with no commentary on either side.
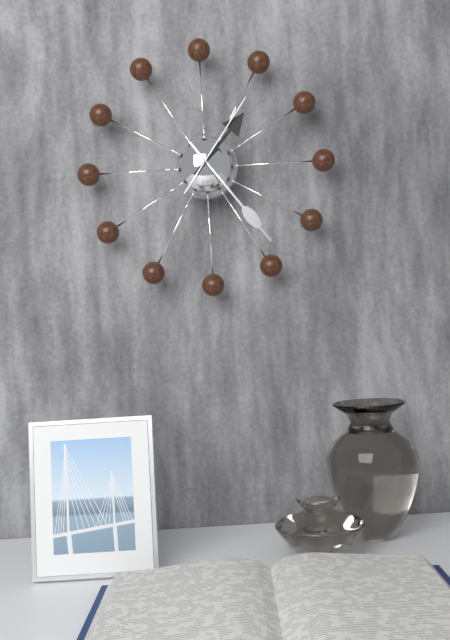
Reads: 1:24:06
